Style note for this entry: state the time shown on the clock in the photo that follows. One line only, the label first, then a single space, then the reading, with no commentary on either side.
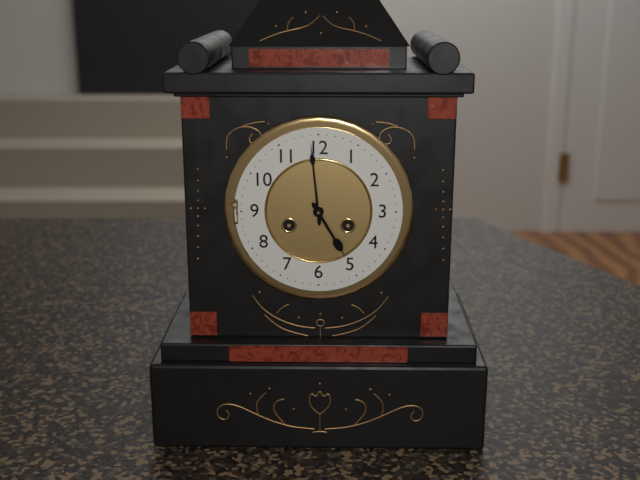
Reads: 4:59
